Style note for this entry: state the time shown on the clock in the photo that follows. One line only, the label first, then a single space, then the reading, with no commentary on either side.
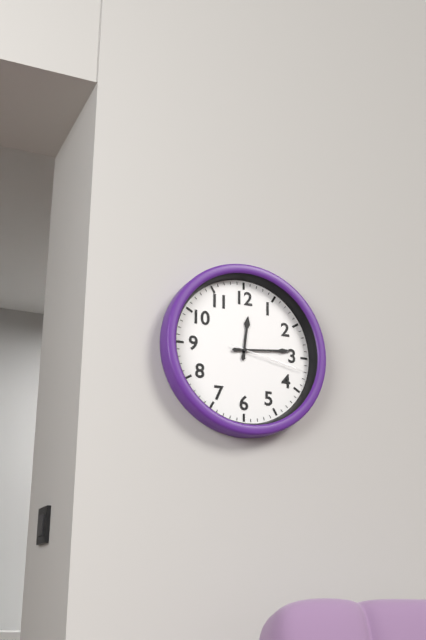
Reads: 12:14:17
